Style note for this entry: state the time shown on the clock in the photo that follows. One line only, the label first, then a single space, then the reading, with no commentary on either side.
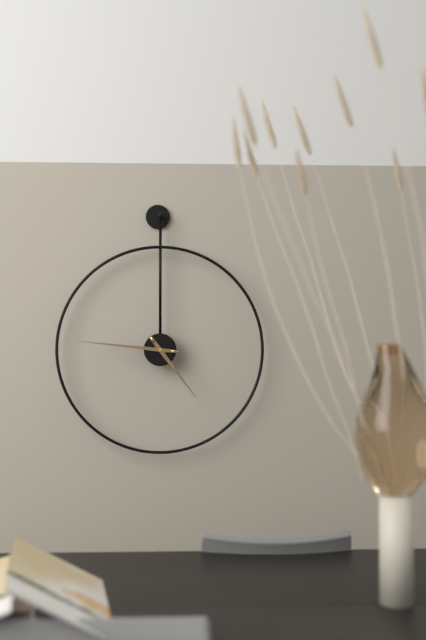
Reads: 4:46
